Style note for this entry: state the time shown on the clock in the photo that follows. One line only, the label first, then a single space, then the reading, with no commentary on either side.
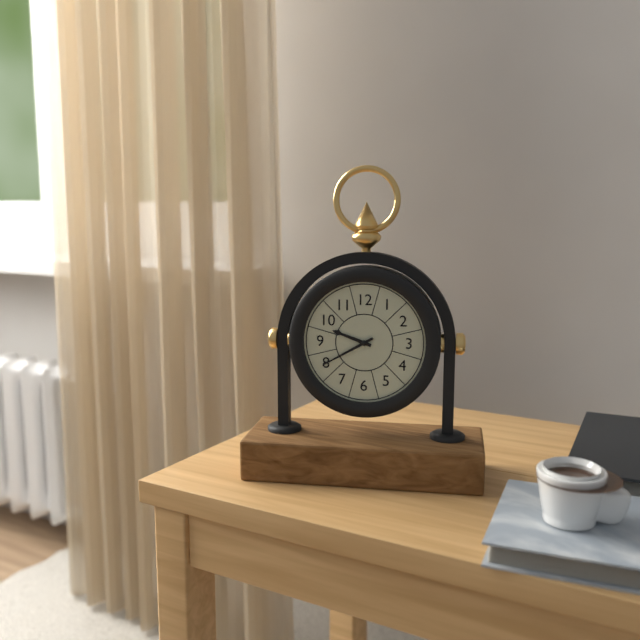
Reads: 9:40
